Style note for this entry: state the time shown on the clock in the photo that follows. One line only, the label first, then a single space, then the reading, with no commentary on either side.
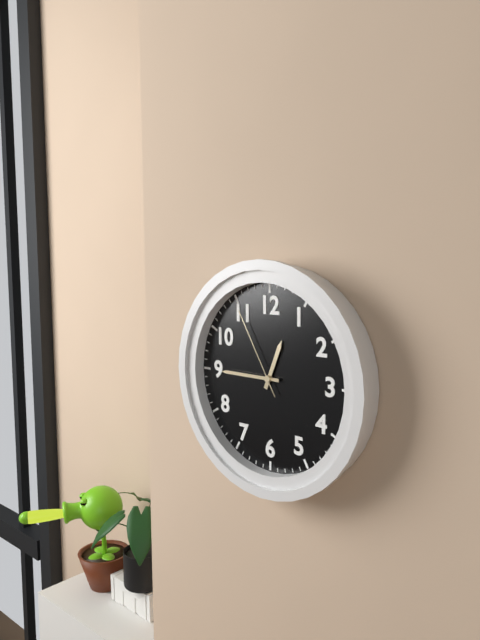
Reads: 12:45:55
